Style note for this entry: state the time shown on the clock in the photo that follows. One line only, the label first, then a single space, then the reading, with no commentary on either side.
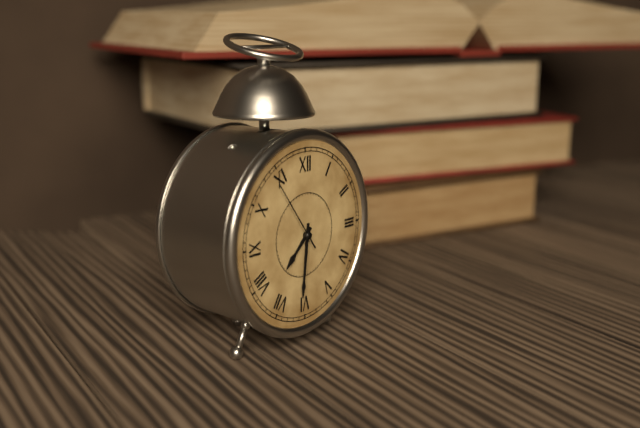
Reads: 7:31:54
